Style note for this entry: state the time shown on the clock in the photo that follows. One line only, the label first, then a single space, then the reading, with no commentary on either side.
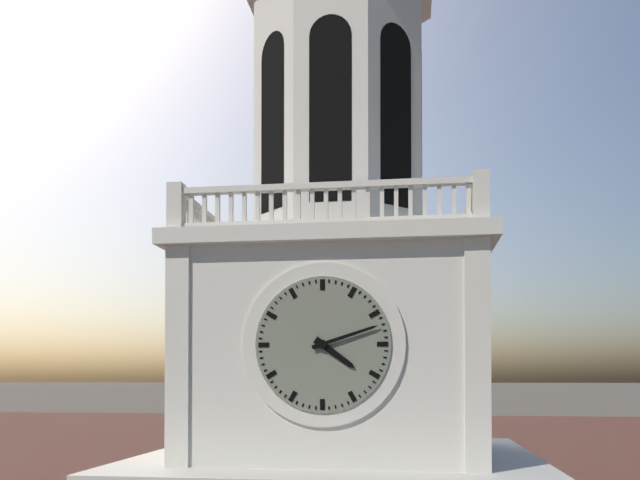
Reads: 4:12
